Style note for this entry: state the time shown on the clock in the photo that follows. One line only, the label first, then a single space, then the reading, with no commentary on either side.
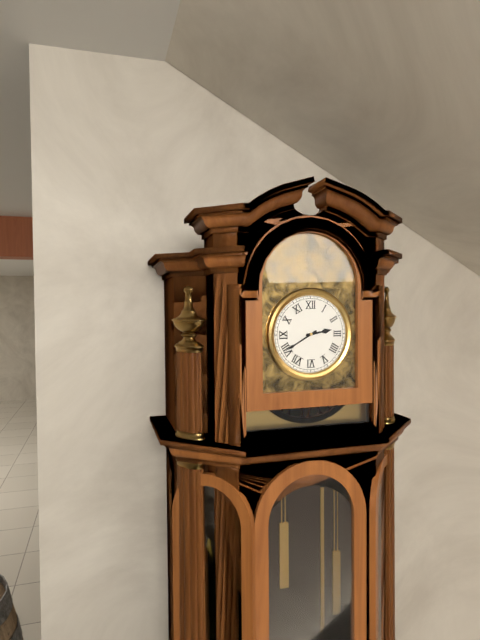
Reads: 2:40
